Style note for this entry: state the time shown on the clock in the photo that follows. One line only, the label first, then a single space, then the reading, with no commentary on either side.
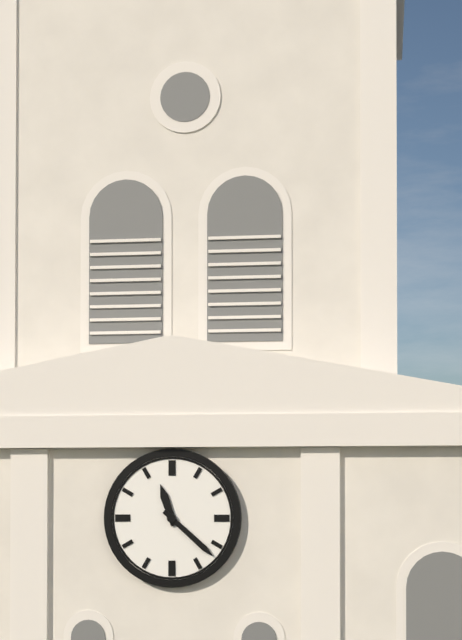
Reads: 11:22
